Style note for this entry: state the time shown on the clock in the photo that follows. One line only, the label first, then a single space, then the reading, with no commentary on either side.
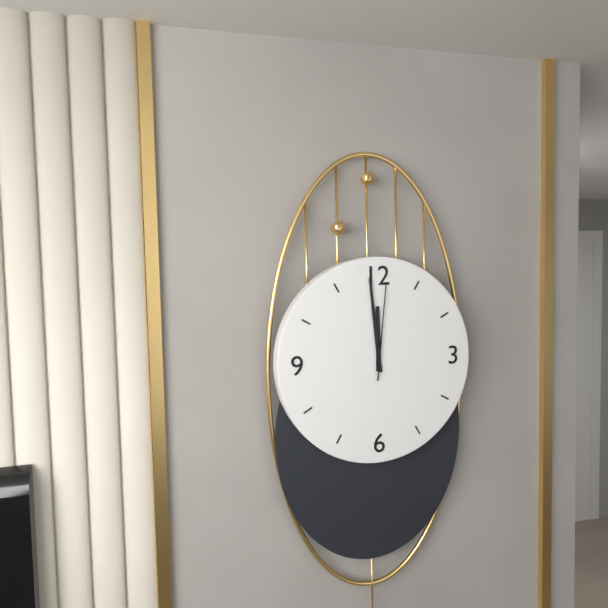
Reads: 11:59:01
